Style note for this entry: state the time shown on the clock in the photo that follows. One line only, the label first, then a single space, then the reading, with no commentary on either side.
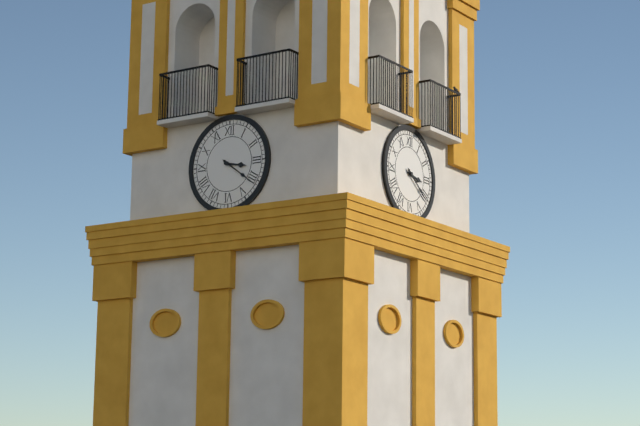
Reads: 3:21
